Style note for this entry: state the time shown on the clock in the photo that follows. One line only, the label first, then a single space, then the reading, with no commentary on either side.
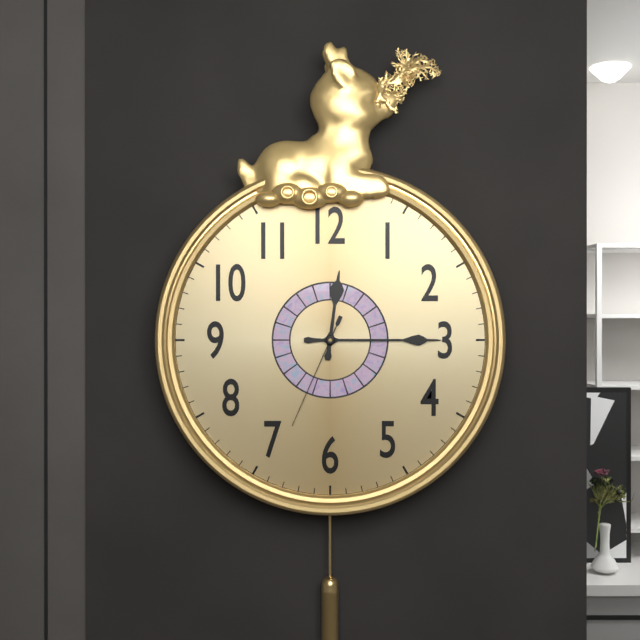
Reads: 12:15:34
